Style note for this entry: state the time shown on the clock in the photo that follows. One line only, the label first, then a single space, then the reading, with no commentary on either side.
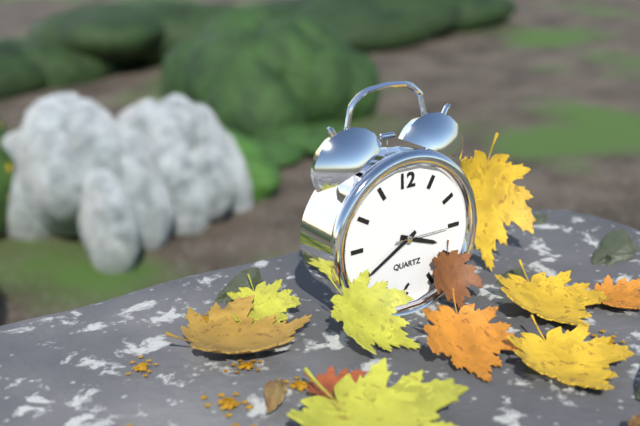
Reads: 3:40:15
